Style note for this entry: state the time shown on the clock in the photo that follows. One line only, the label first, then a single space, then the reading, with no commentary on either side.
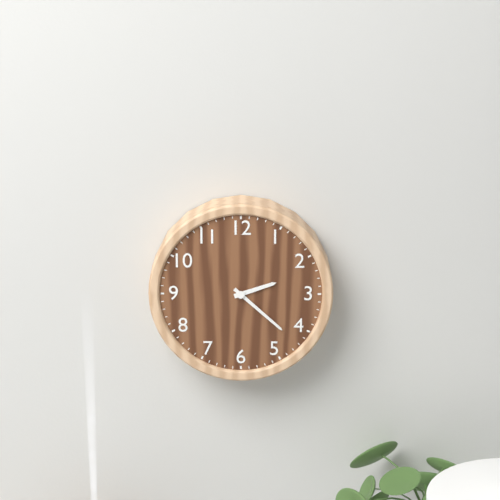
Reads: 2:22
